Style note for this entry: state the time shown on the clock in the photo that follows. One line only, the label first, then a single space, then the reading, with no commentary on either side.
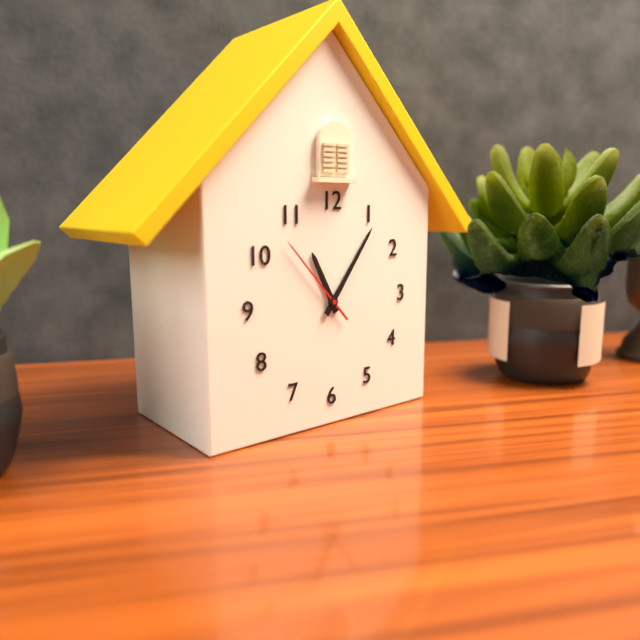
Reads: 11:06:53
